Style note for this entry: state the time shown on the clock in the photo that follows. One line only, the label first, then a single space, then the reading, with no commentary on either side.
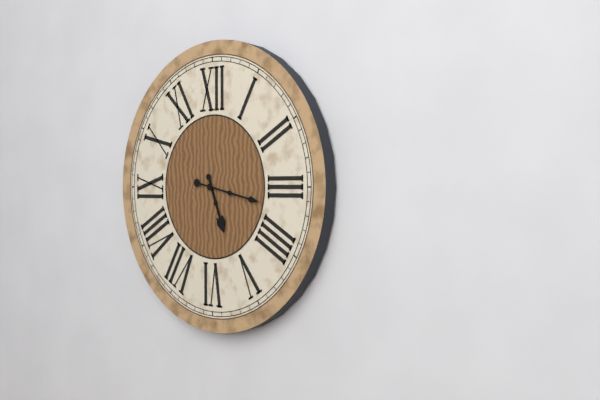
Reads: 5:17
